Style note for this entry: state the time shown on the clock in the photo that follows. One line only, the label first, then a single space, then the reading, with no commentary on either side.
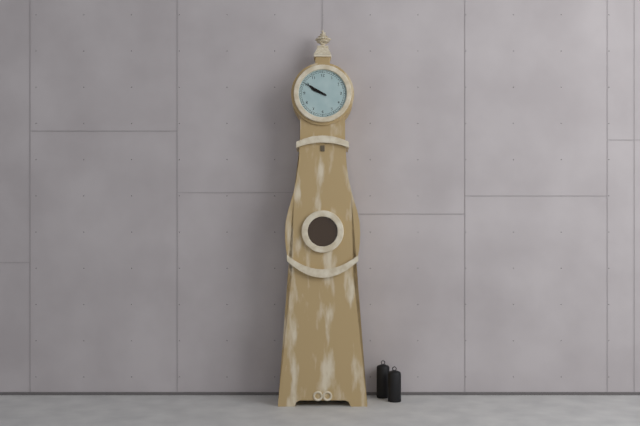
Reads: 9:50
